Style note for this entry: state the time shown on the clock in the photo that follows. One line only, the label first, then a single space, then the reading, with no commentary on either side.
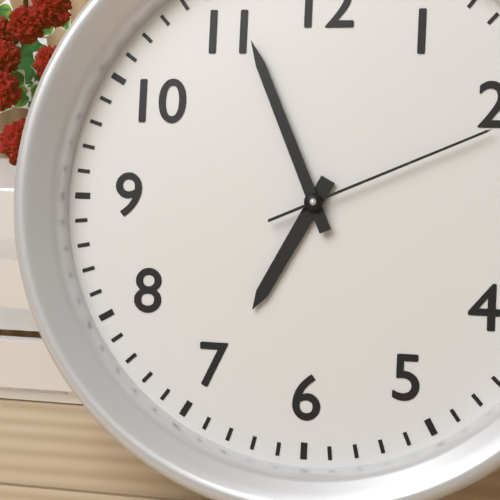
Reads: 6:56:11
